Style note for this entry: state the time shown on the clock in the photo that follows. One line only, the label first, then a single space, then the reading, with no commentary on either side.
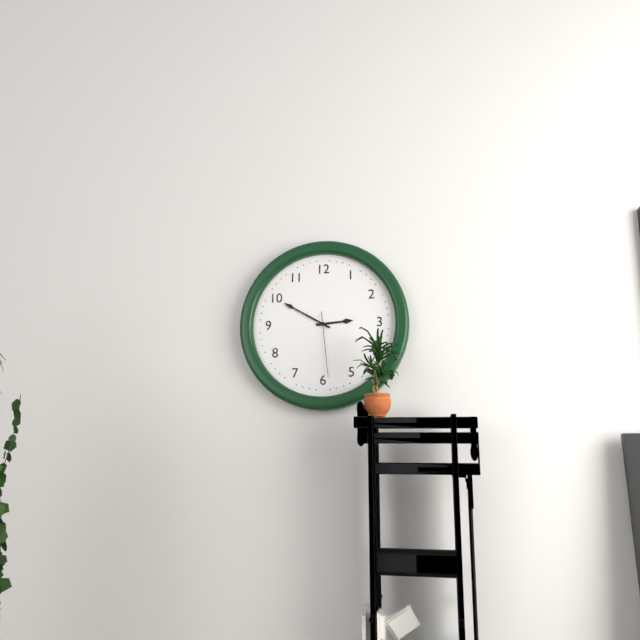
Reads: 2:50:29
